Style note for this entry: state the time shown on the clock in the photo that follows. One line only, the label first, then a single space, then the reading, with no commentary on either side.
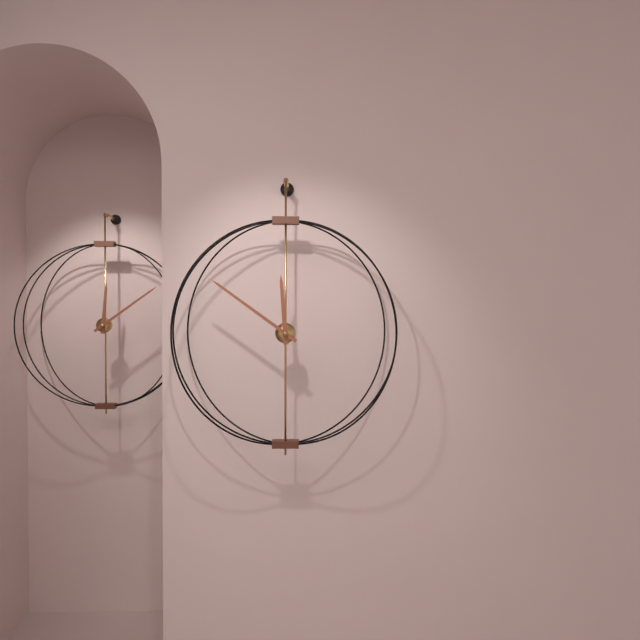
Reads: 11:51
